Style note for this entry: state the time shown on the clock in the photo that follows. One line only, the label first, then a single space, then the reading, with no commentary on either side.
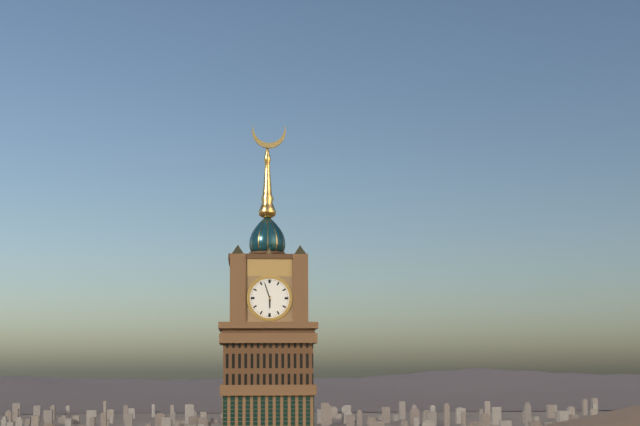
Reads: 5:57
